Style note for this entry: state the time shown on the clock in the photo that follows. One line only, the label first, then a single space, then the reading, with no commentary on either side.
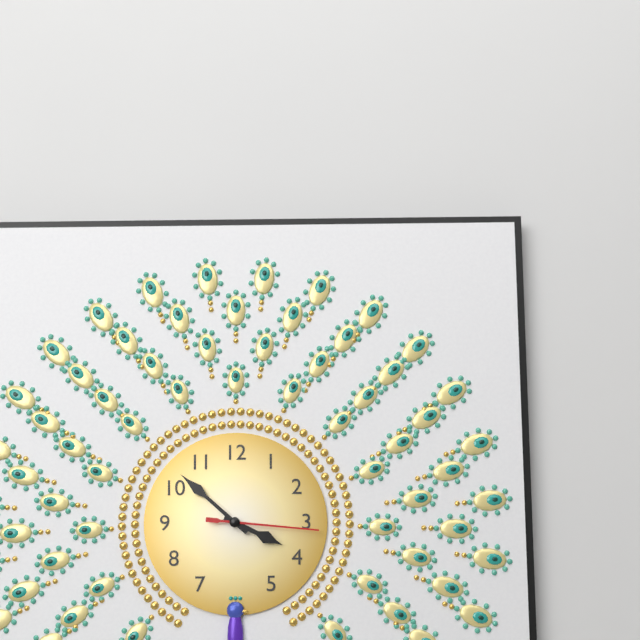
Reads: 3:52:16
